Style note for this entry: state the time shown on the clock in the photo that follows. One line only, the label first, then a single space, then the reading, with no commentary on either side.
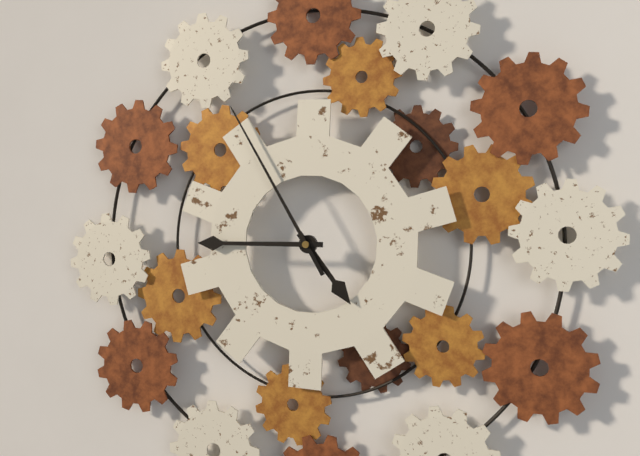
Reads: 4:45:55
